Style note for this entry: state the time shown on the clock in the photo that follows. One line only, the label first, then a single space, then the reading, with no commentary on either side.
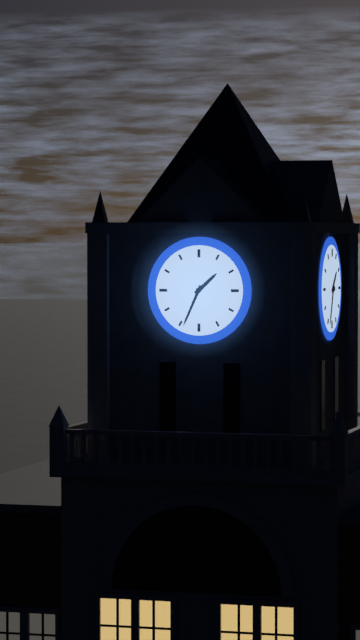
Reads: 1:34
